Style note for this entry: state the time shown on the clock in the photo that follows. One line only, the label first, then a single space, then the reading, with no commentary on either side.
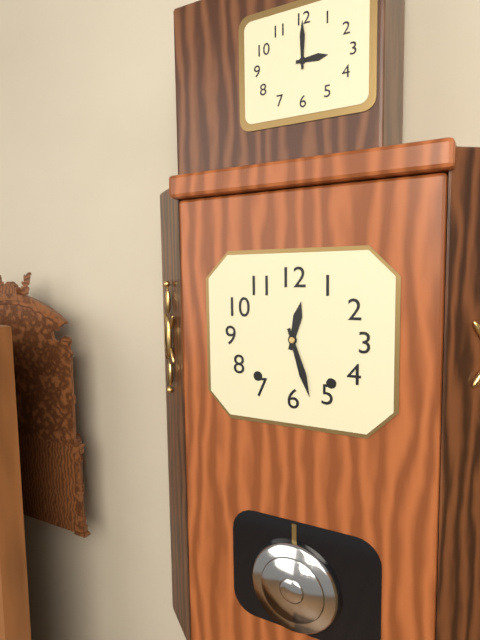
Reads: 12:27
